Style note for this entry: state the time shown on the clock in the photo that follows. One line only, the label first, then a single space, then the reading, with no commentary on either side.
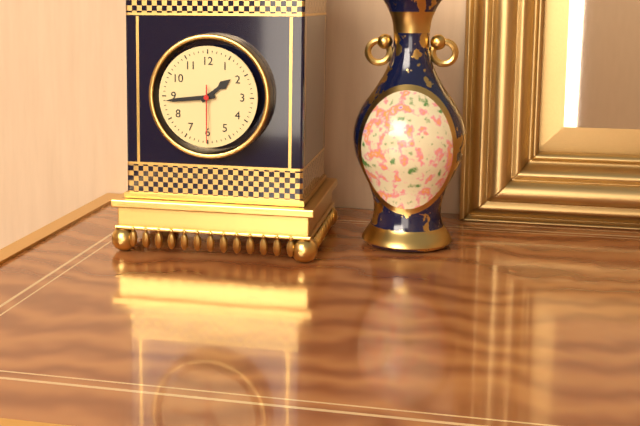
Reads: 1:44:30
